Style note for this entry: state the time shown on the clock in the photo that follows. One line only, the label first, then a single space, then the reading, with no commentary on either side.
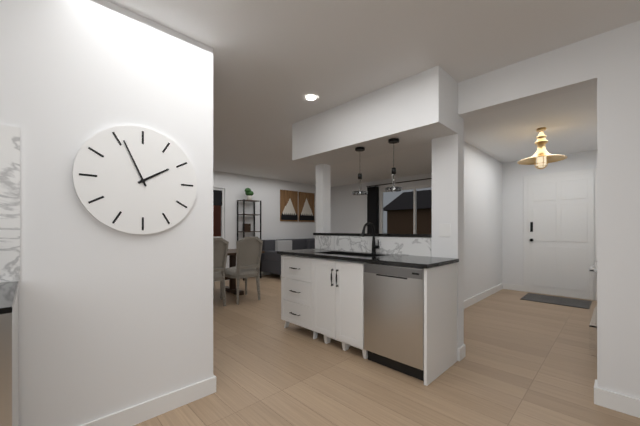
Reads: 1:56
